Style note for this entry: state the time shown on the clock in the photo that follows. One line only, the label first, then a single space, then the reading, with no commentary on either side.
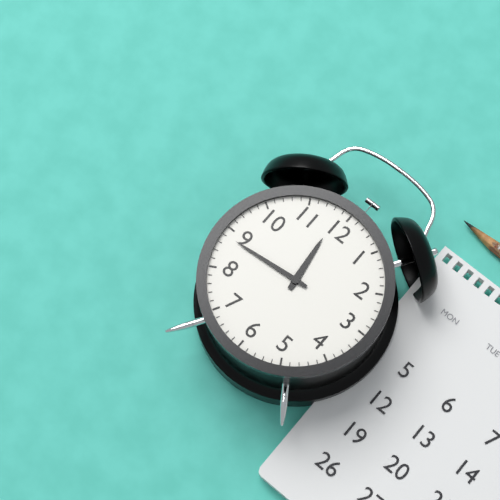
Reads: 11:44
